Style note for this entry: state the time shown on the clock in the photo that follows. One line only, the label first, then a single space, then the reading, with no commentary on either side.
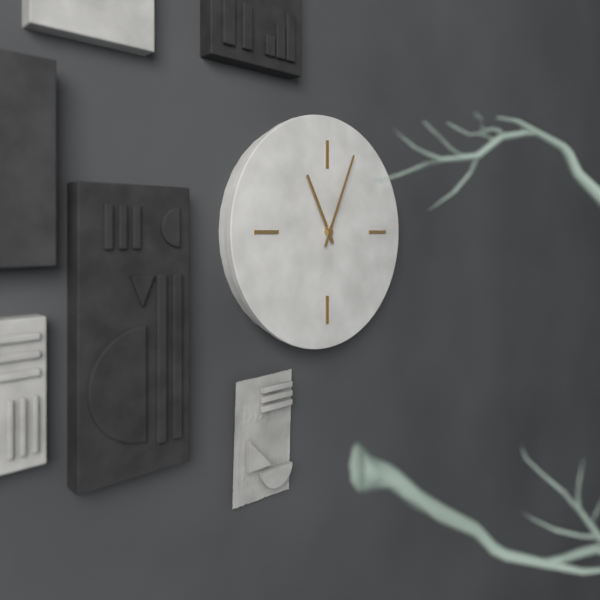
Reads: 11:04
